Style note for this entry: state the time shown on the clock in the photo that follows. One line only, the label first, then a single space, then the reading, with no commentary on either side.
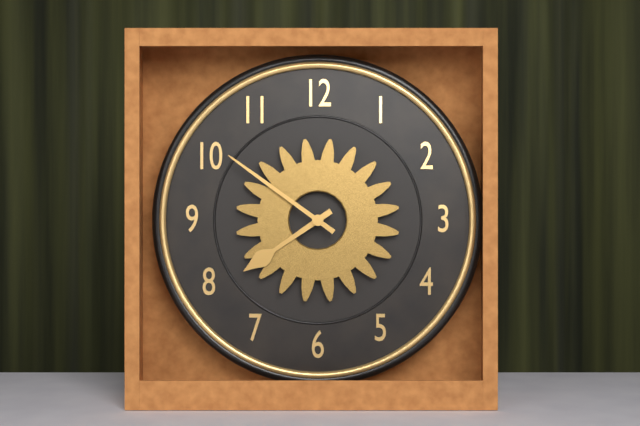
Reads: 7:51
